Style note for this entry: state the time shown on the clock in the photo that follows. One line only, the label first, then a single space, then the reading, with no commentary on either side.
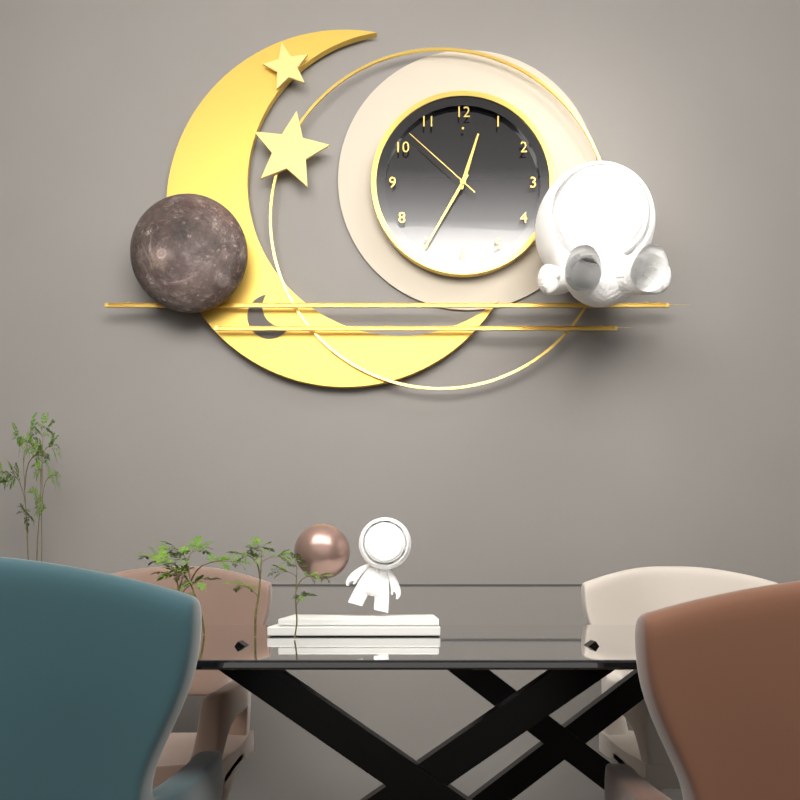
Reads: 12:35:52
